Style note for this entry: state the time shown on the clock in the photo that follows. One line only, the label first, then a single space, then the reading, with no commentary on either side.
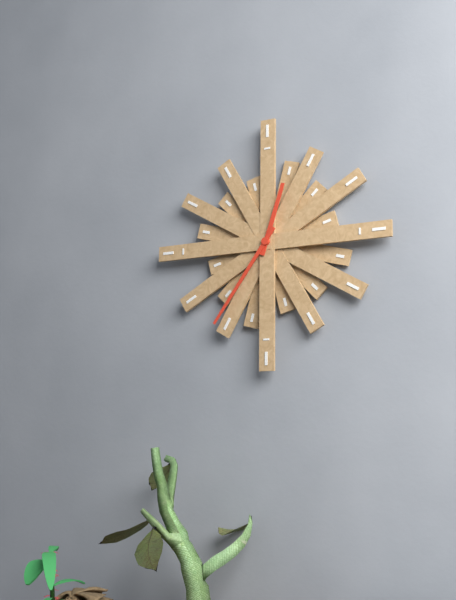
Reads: 12:36
